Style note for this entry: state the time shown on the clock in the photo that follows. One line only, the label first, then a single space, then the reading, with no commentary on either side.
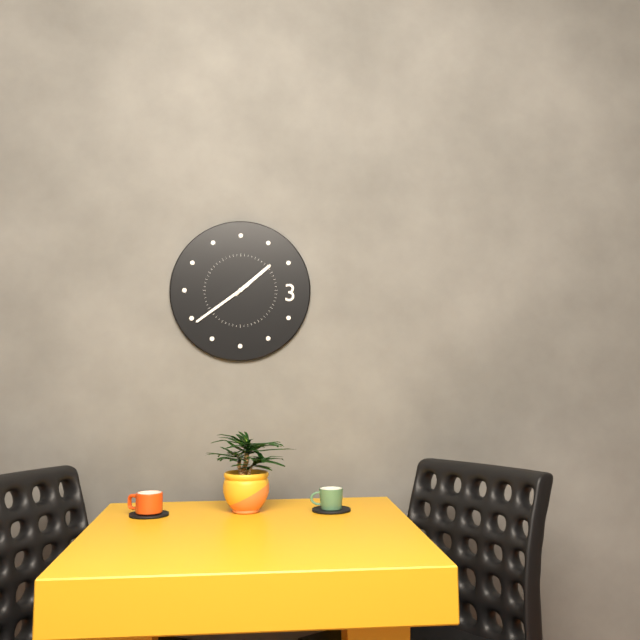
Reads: 1:39
